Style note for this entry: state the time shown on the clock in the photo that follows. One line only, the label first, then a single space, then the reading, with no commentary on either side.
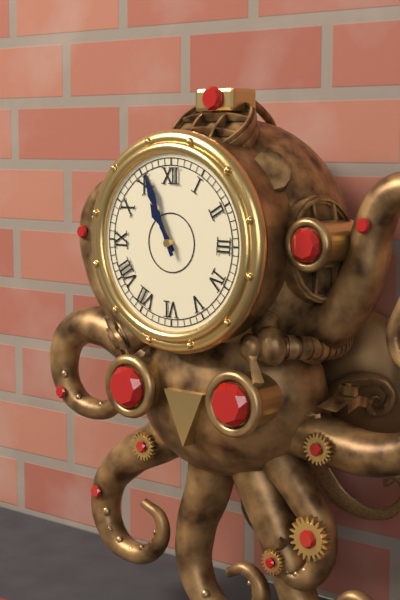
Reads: 10:56
